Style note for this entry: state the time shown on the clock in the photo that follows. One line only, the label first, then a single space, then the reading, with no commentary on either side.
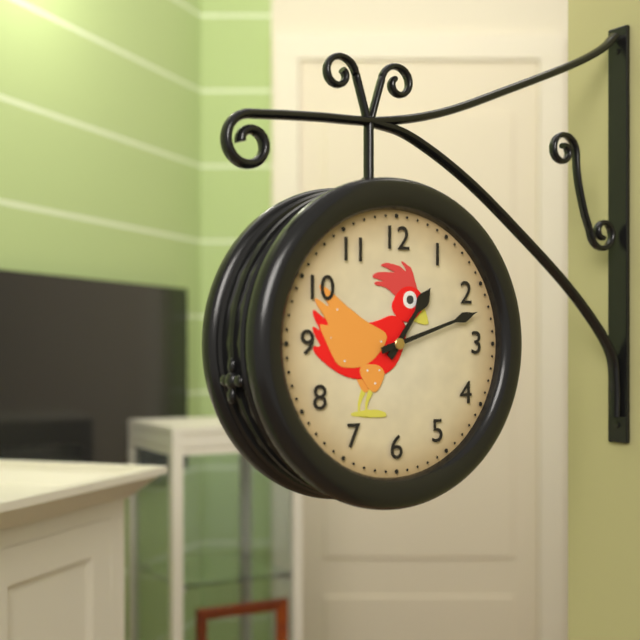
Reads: 1:12
